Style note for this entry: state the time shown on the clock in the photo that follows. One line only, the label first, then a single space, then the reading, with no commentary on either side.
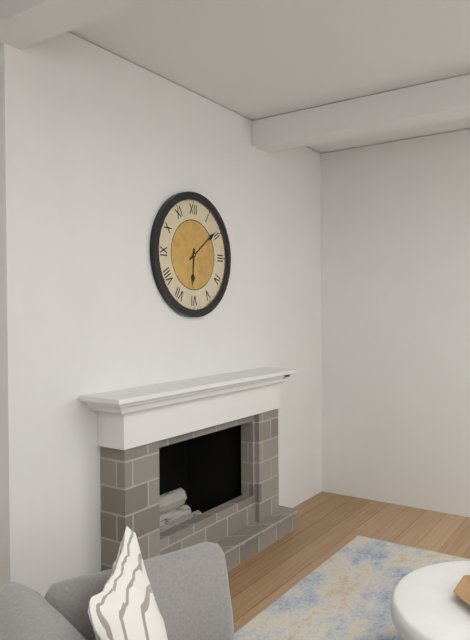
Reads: 6:09
